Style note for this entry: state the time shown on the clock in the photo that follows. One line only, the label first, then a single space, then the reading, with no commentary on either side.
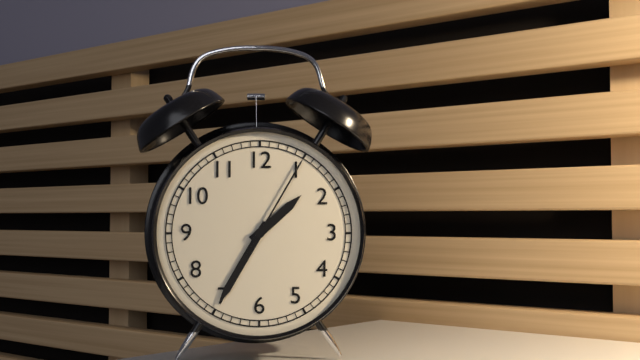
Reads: 1:35:05
